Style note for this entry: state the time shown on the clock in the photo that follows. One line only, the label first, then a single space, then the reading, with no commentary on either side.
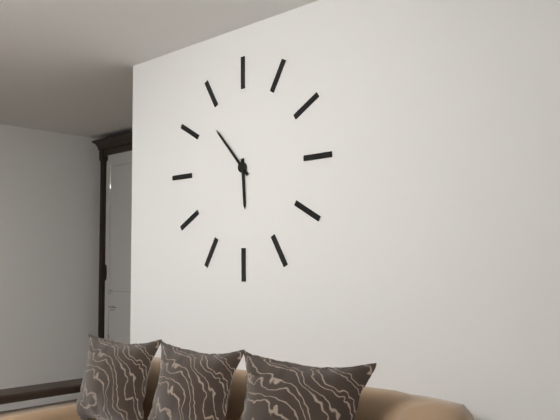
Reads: 5:53
